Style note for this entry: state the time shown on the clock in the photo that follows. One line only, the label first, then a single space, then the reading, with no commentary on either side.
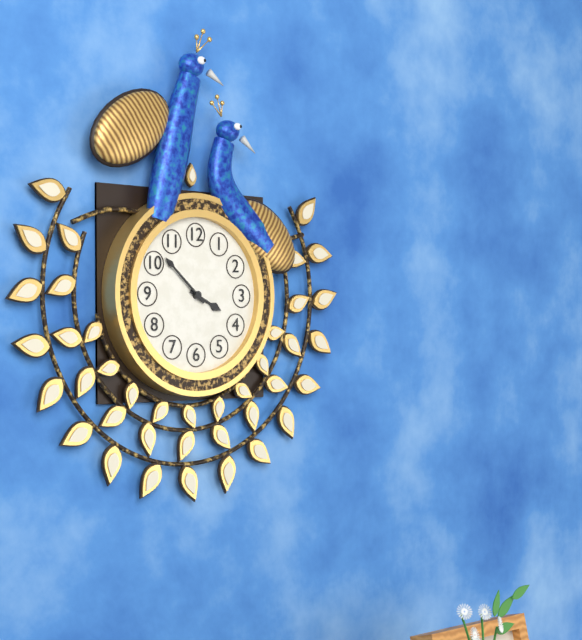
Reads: 3:52
